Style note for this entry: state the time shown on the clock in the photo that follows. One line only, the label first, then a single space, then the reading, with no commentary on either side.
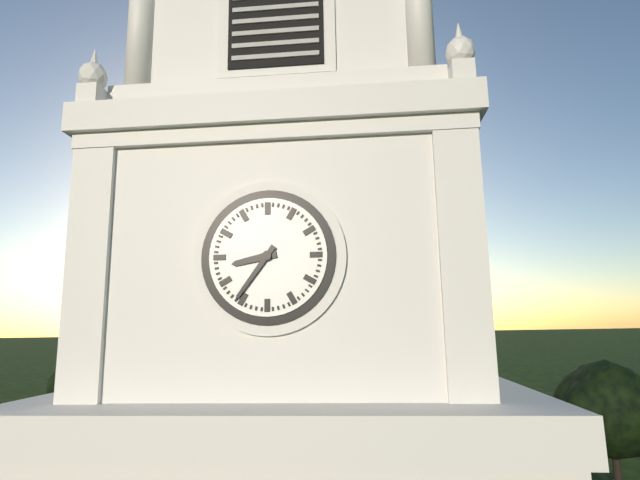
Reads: 8:36
